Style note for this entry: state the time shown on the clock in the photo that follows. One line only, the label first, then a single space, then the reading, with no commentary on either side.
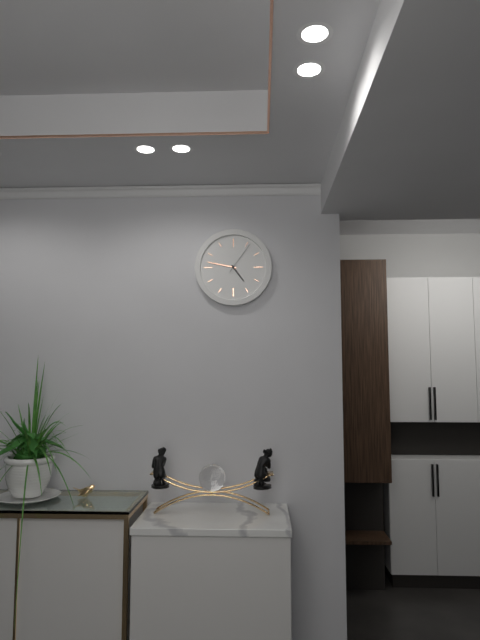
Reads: 4:47
